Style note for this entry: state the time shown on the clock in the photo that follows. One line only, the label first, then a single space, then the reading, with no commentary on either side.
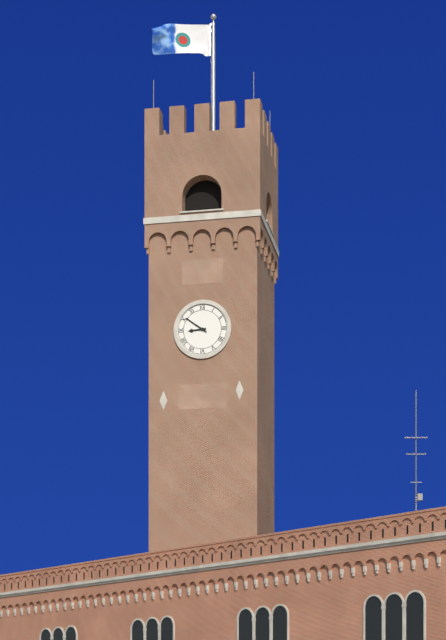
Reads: 8:51
